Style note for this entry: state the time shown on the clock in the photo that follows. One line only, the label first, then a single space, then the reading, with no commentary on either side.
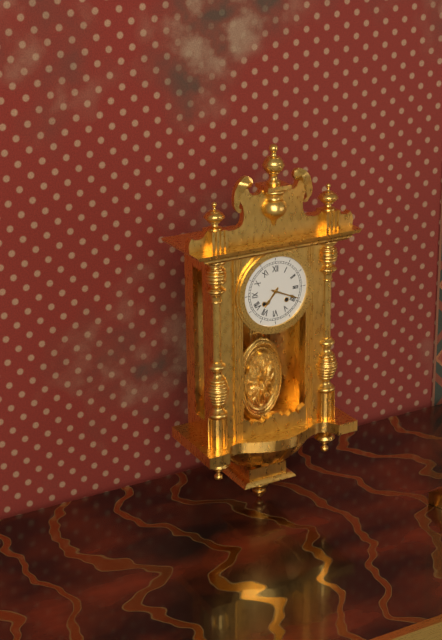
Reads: 7:19
